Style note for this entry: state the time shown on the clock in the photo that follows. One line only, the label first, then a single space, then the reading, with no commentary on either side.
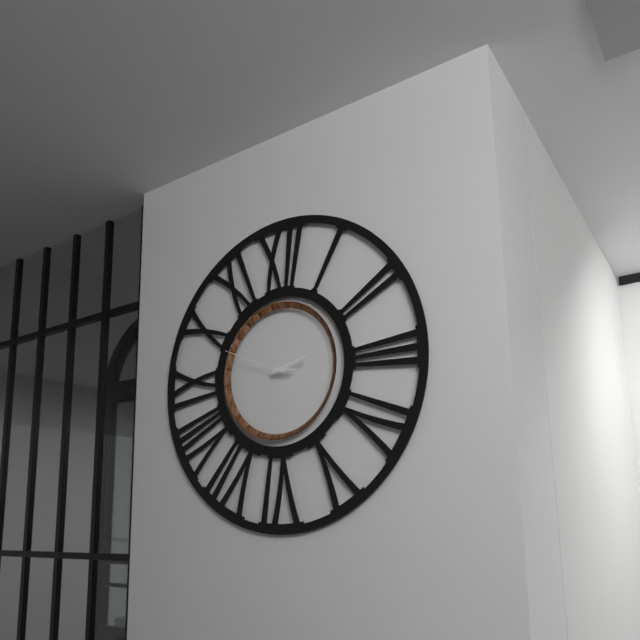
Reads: 3:13:49
